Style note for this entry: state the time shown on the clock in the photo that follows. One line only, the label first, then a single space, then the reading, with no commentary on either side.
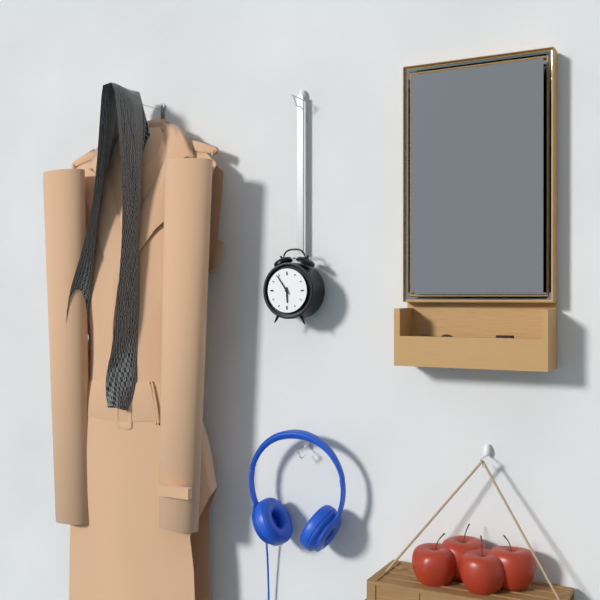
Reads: 5:54
